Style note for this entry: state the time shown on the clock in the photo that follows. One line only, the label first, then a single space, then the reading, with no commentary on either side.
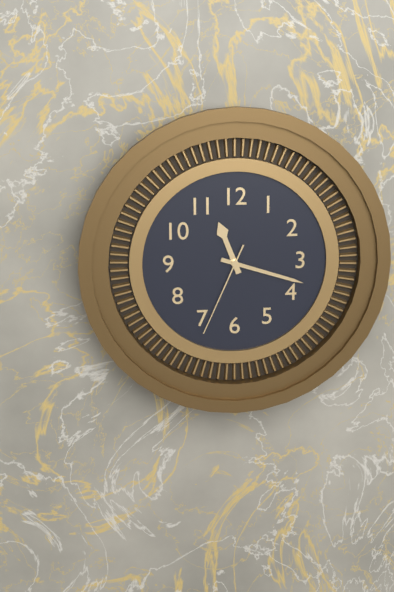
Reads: 11:18:34
